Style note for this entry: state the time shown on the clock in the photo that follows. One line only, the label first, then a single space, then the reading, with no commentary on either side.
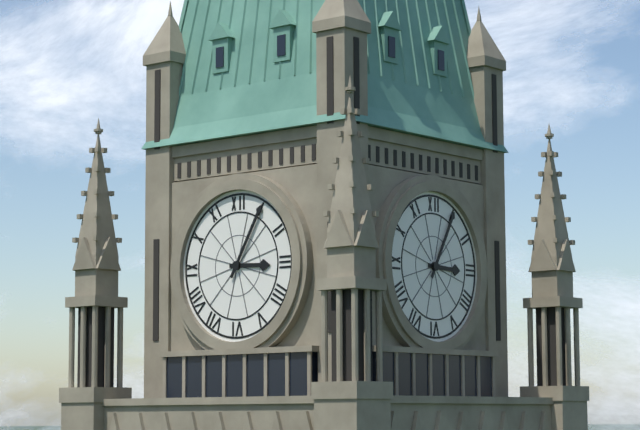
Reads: 3:05
